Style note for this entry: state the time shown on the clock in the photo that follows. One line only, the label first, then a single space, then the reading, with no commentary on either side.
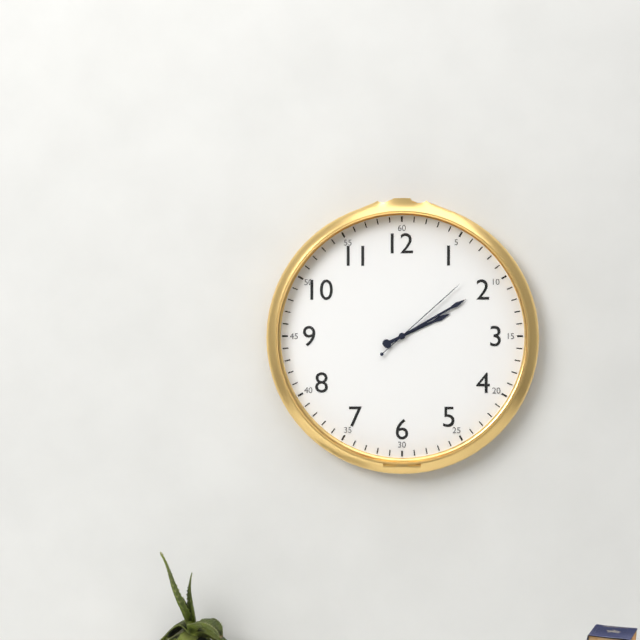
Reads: 2:10:08
